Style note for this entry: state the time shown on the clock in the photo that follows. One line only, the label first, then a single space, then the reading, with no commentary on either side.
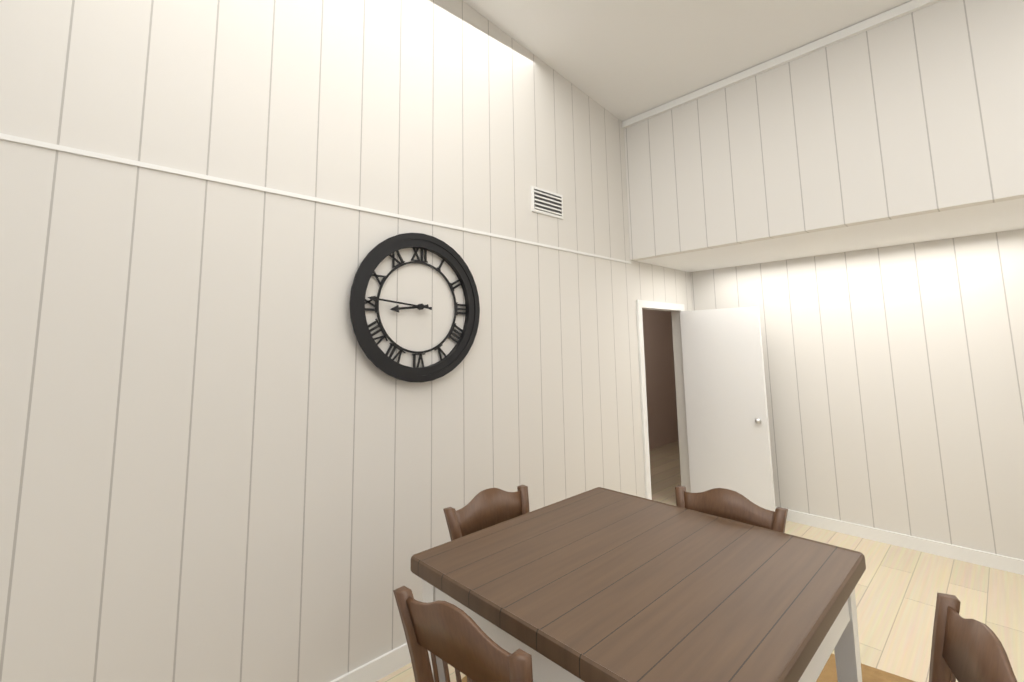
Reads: 8:46
